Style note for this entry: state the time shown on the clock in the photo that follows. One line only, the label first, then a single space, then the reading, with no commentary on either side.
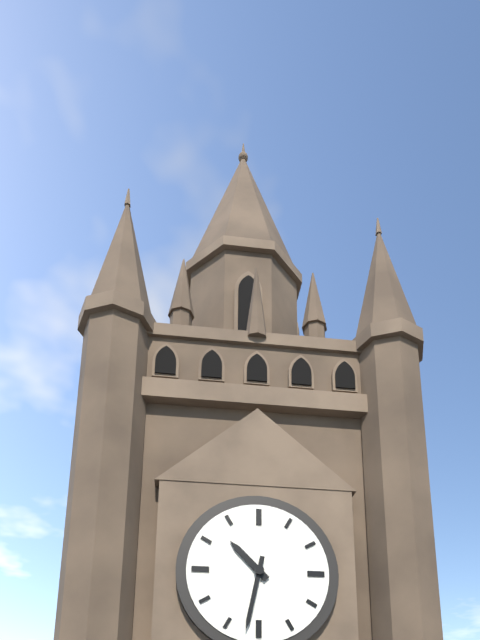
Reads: 10:32
